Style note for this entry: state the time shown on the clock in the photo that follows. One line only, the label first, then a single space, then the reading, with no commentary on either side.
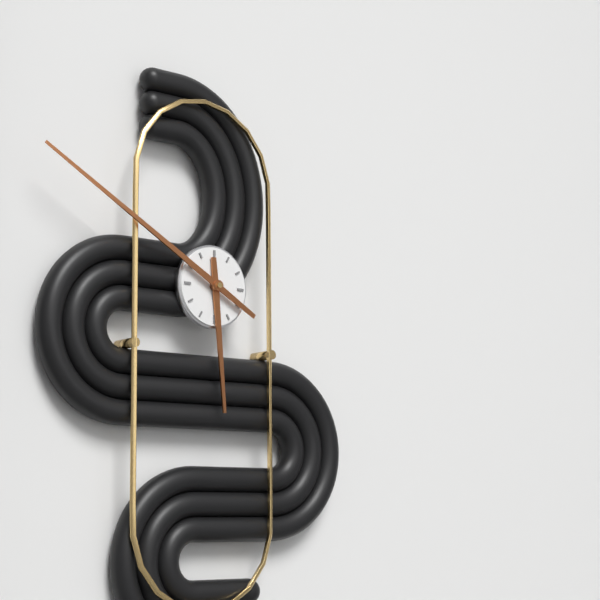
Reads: 5:50
